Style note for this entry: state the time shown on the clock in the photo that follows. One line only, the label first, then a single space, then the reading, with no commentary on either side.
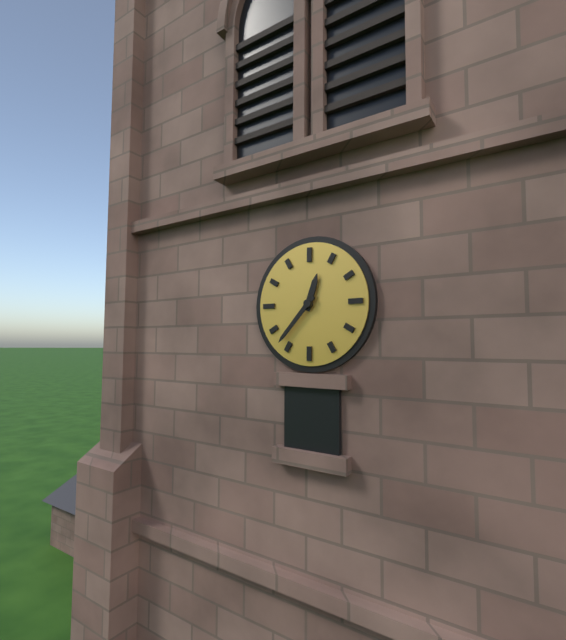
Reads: 12:37
